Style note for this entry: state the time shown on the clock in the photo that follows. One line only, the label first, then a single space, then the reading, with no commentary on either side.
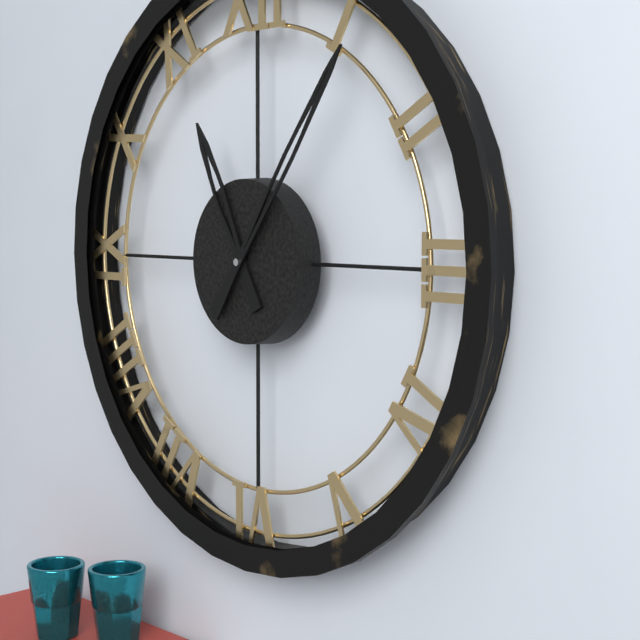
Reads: 11:06
